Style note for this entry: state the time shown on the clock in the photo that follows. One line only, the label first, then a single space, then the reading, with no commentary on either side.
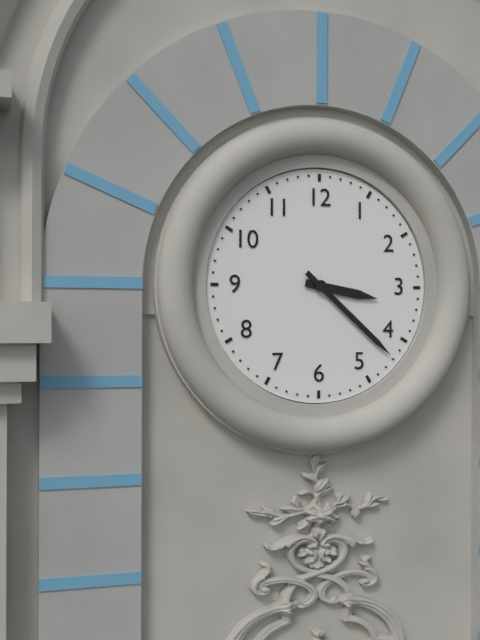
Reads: 3:22
